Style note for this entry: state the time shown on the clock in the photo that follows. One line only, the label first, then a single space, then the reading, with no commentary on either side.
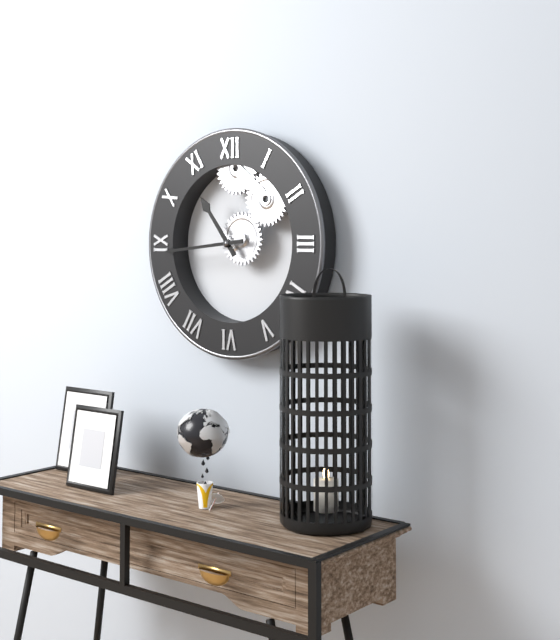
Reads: 10:44
